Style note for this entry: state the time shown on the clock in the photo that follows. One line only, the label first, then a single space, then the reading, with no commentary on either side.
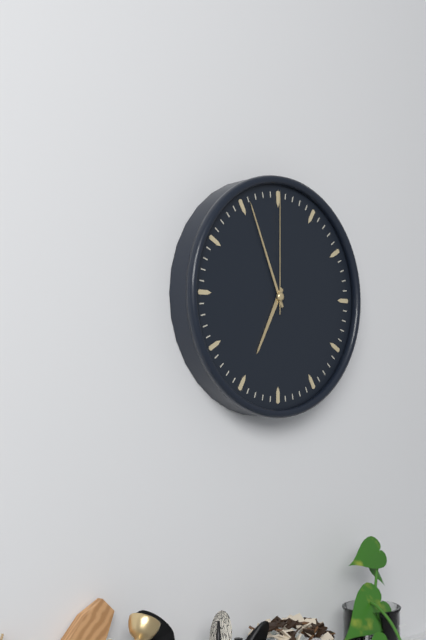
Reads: 6:56:00
